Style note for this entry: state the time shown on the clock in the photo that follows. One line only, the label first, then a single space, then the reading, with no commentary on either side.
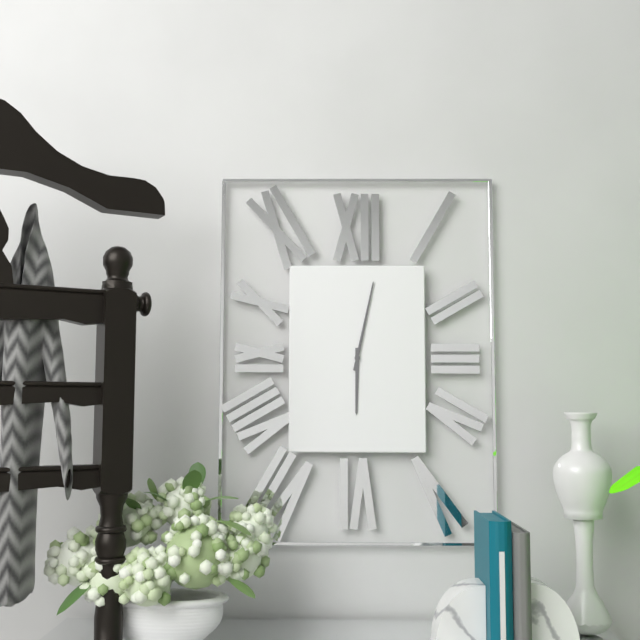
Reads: 6:02
